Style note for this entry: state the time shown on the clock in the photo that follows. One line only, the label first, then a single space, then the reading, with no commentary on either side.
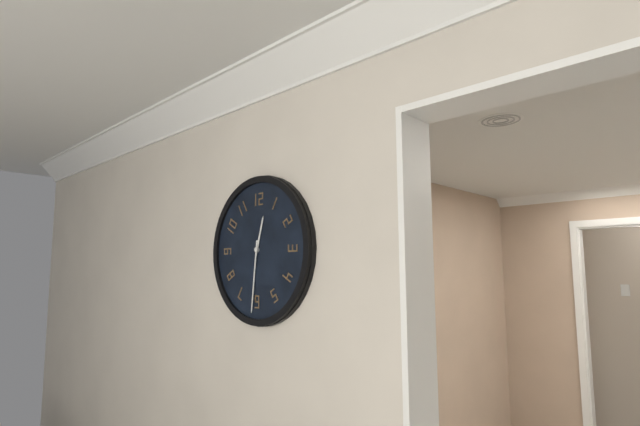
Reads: 12:31
